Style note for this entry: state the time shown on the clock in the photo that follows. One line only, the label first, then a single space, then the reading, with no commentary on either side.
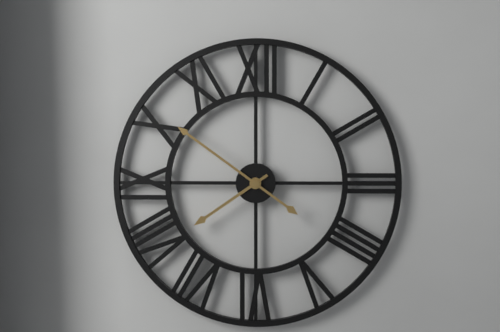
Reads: 7:51
